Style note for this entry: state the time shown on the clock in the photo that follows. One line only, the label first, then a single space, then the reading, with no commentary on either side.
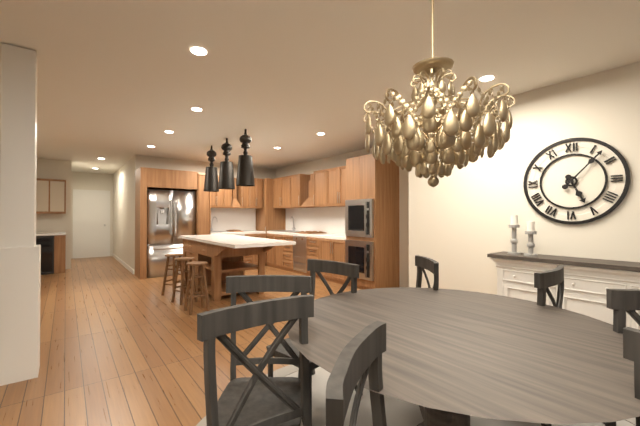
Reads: 5:07
